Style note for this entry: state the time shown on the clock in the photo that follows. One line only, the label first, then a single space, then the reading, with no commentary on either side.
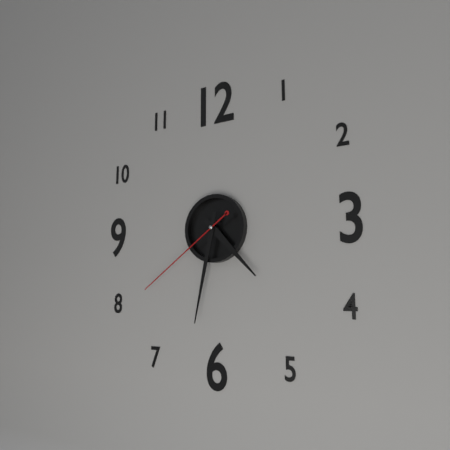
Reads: 4:32:39
